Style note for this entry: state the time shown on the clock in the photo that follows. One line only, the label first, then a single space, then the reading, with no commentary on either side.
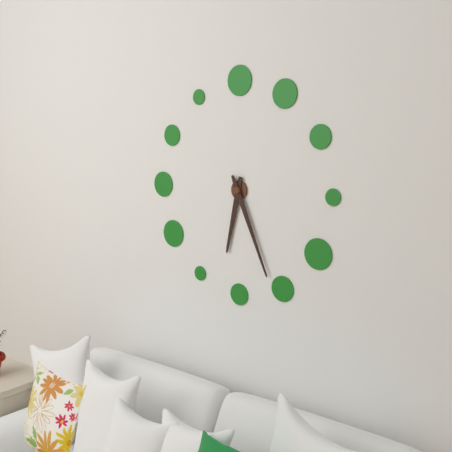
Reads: 6:26
